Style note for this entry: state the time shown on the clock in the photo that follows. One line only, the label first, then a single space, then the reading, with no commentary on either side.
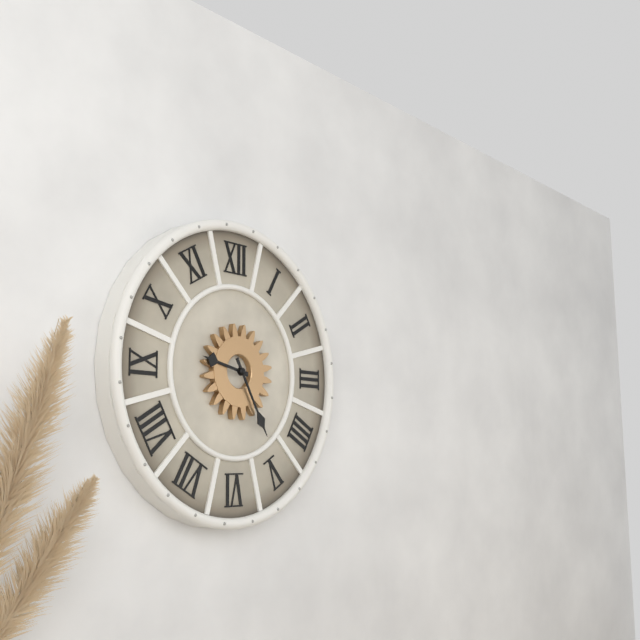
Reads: 9:25
